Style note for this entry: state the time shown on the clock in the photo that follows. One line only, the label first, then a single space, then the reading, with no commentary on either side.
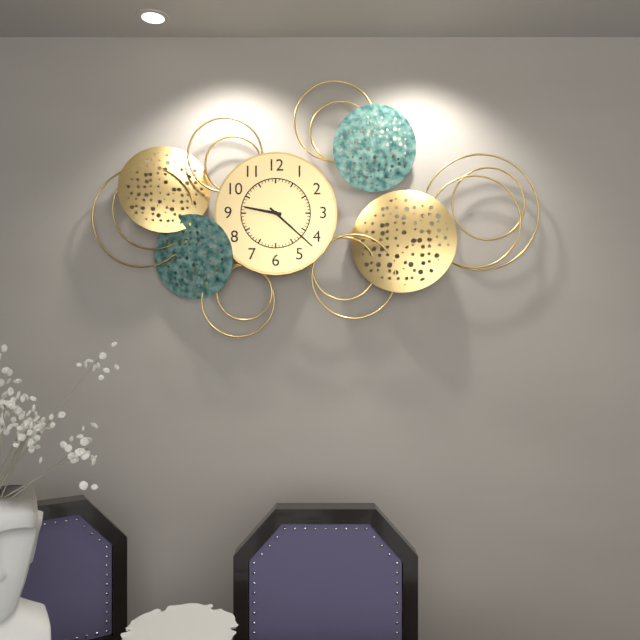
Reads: 9:22
